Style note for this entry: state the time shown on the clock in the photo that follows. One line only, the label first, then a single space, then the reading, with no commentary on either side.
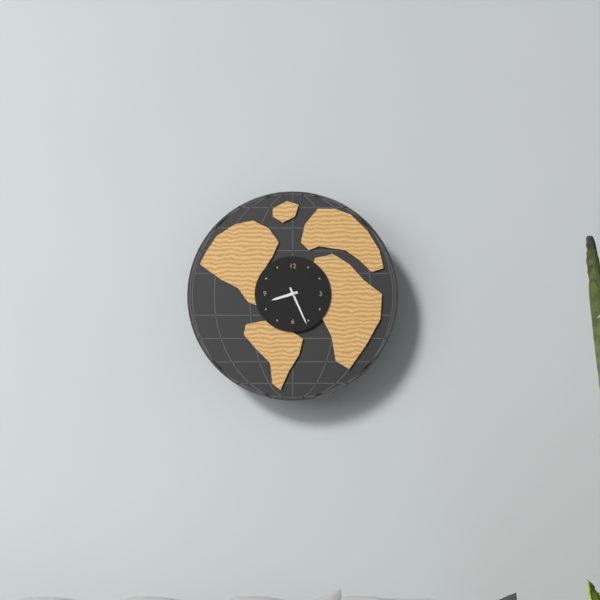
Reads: 8:26
